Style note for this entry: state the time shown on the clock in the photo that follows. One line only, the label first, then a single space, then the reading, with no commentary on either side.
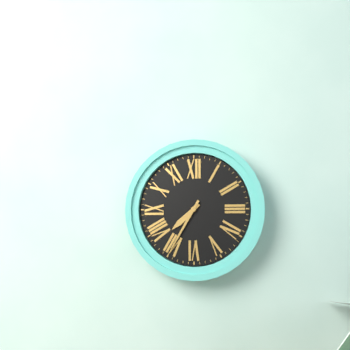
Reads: 7:35
